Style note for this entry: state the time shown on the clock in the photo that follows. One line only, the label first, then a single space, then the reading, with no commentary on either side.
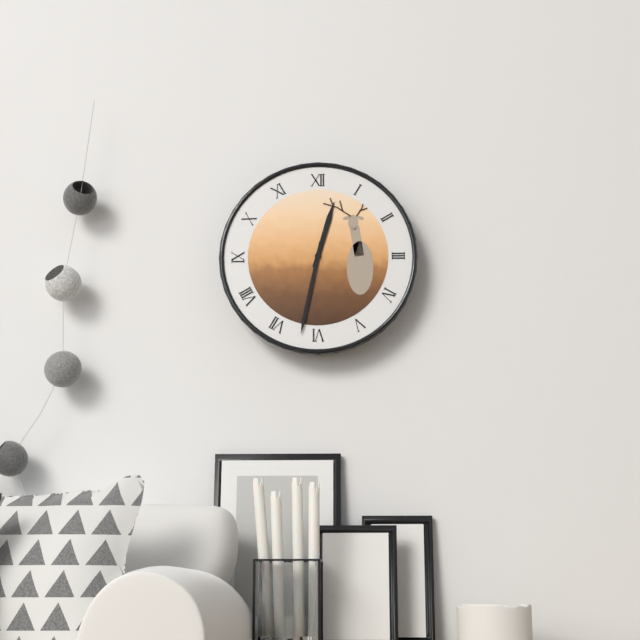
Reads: 12:32
